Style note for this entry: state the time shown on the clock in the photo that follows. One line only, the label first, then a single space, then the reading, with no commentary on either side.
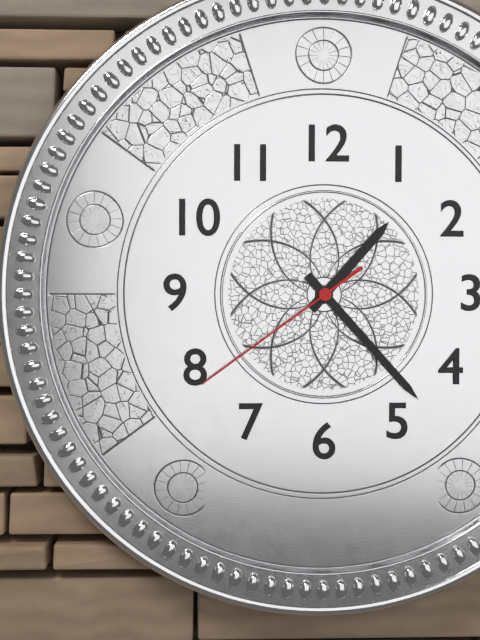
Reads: 1:23:39
